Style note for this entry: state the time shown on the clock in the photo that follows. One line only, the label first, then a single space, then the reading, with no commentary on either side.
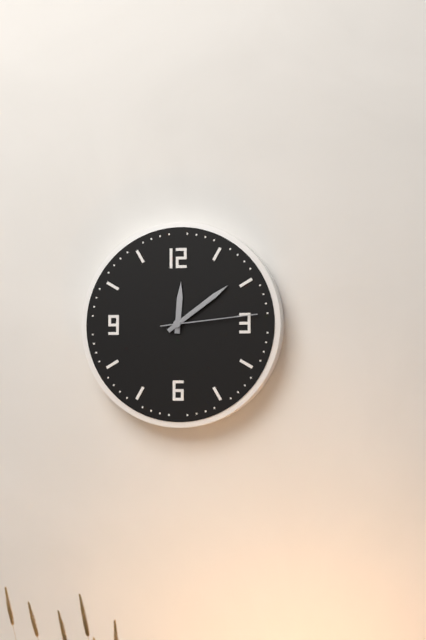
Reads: 12:09:14
